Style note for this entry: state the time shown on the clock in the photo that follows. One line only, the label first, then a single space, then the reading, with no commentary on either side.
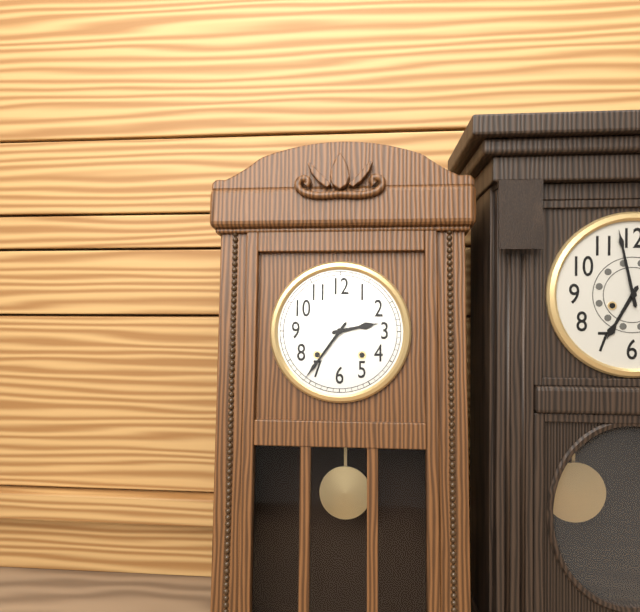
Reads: 2:36
